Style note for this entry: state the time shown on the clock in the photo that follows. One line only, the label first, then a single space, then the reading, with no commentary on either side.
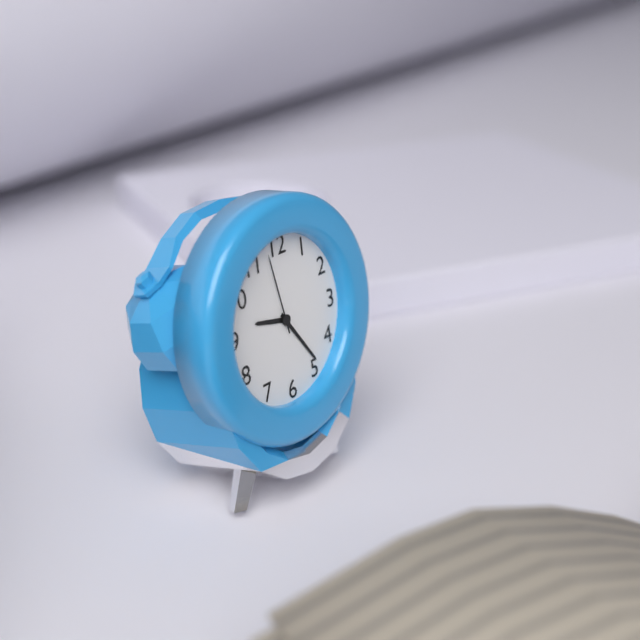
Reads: 9:24:58
